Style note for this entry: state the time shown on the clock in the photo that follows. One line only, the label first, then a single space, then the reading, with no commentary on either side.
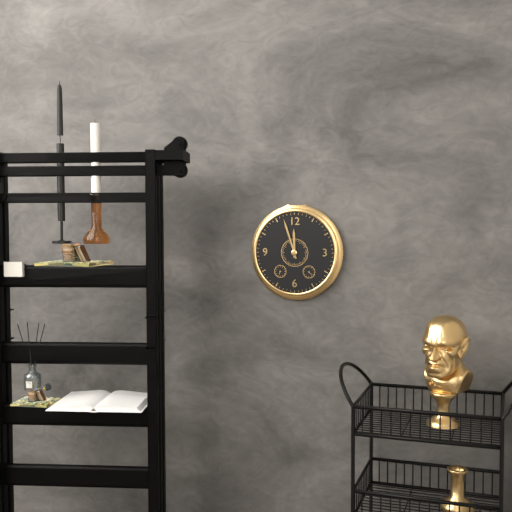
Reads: 11:57
